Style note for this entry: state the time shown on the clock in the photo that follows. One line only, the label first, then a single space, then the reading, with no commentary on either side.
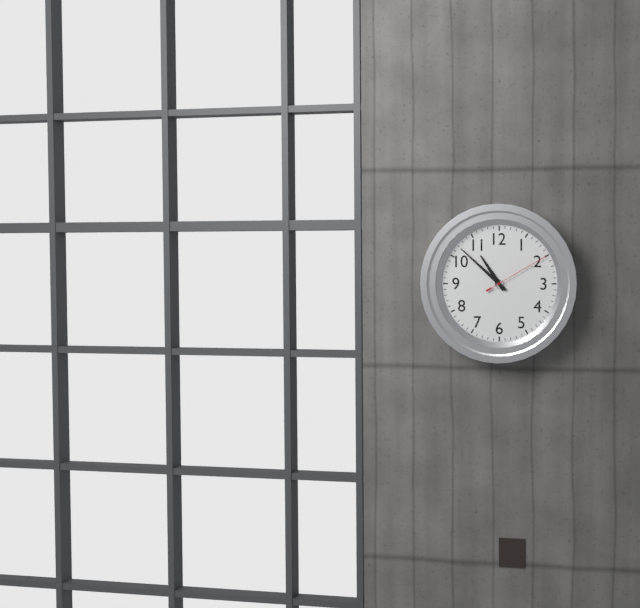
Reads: 10:52:10
